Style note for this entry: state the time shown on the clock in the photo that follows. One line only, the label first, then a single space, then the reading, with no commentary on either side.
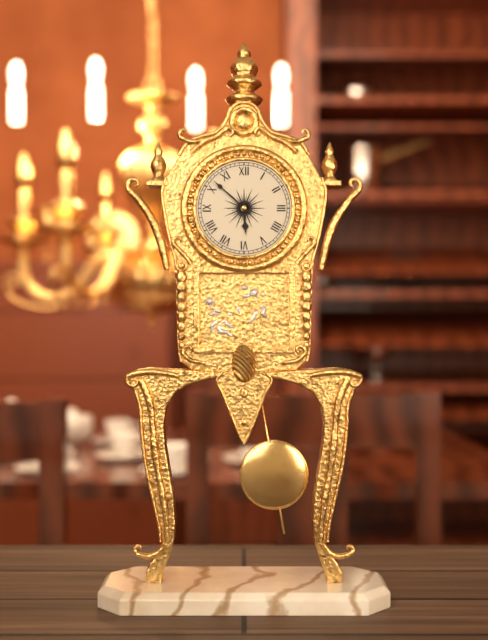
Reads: 5:52
